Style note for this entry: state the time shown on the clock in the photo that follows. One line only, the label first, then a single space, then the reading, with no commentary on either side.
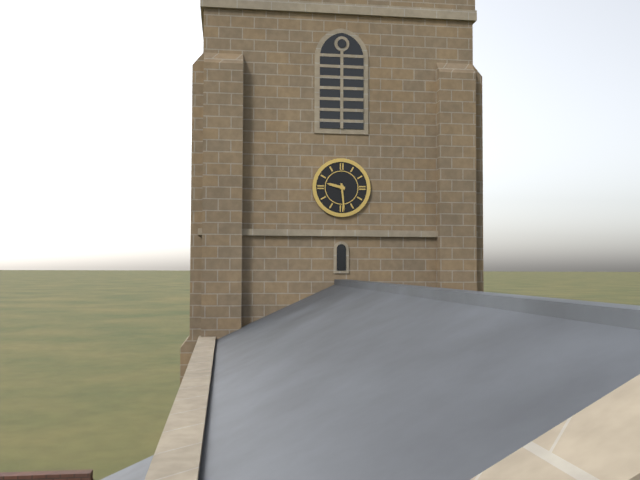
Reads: 9:29
